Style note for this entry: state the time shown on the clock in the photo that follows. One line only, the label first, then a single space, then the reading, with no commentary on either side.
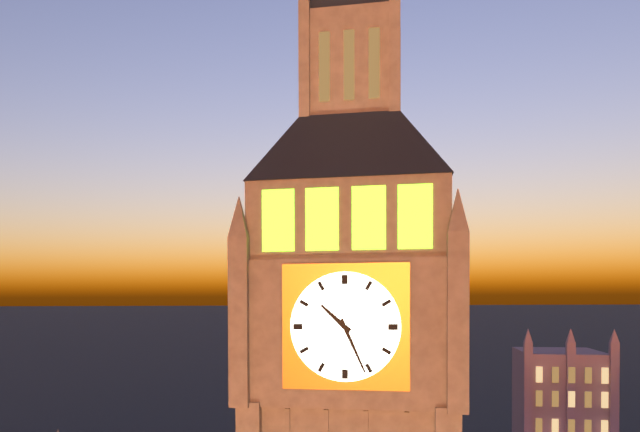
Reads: 10:26
